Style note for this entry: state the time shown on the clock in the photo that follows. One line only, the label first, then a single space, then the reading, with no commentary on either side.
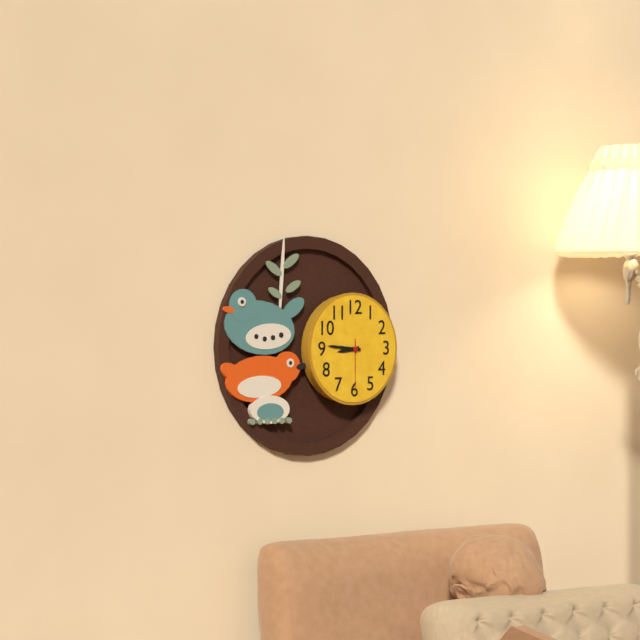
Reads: 8:46
